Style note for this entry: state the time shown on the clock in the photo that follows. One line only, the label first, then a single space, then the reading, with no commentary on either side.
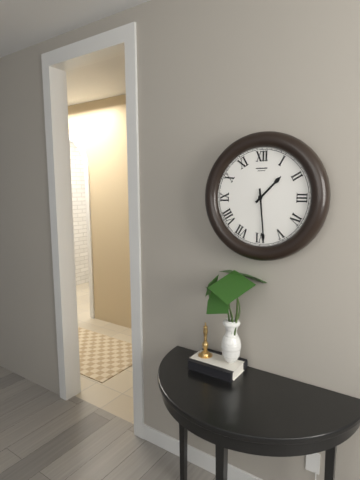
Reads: 1:29
